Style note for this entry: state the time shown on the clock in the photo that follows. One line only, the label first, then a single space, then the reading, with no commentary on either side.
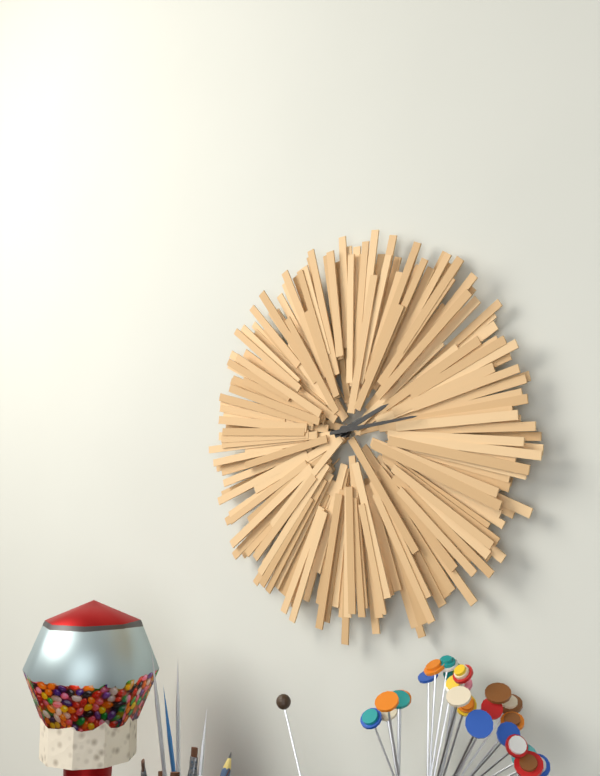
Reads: 2:14
